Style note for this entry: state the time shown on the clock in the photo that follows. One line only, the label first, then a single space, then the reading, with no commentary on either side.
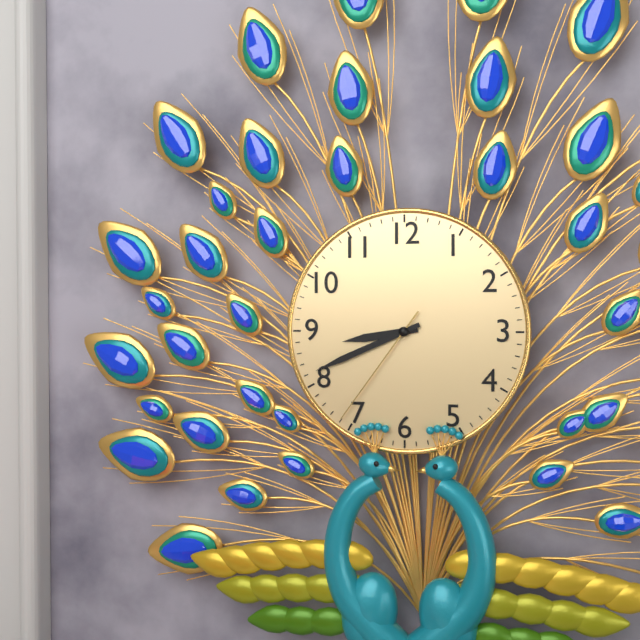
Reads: 8:41:36
